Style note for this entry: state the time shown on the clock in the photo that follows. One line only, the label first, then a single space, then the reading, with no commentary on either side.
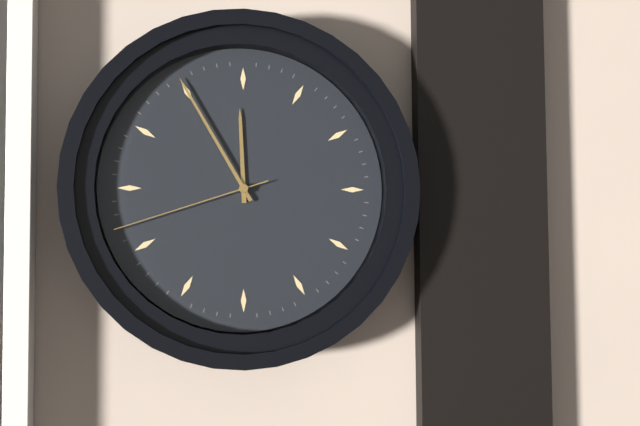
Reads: 11:55:42
